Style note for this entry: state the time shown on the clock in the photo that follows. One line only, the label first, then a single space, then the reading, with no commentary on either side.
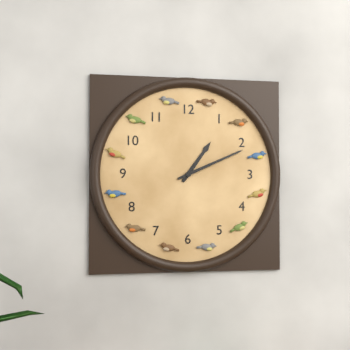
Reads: 1:11
